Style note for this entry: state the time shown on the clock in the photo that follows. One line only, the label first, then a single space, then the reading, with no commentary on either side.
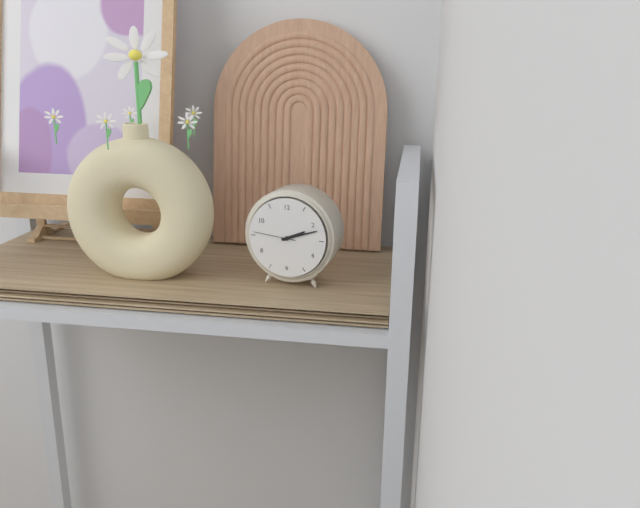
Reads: 2:12
